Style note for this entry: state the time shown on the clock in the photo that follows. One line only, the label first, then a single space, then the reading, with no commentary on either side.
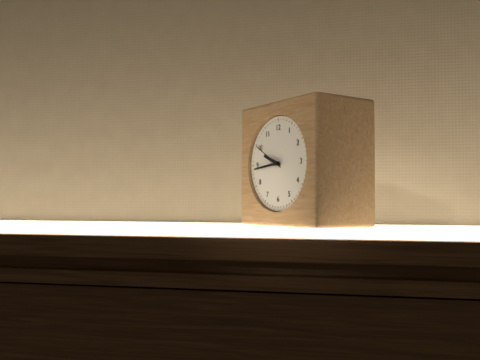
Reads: 9:44
